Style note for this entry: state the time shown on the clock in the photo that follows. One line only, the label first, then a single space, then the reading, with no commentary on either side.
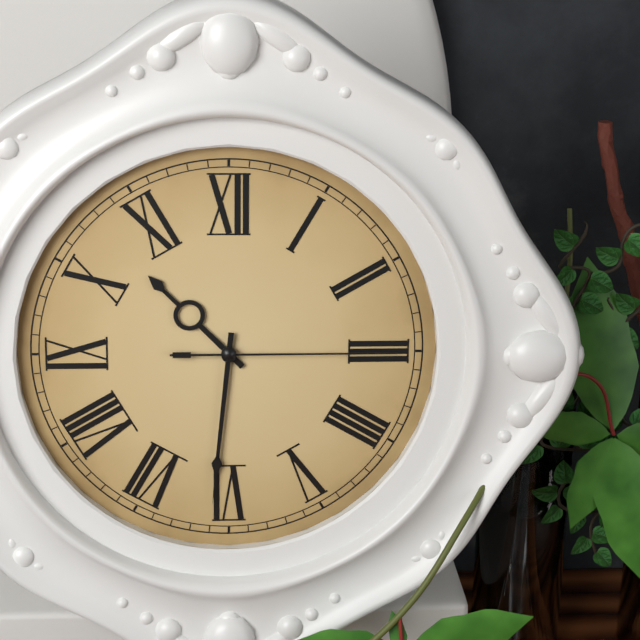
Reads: 10:31:15
